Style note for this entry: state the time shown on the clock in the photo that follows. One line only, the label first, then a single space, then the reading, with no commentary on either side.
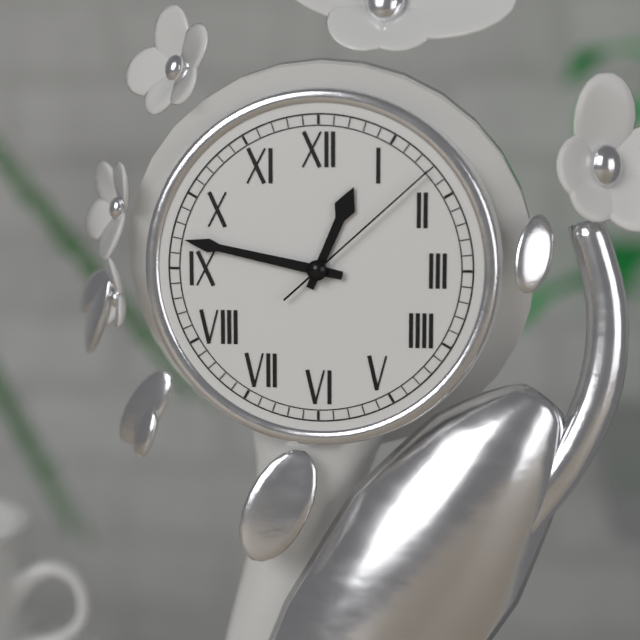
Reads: 12:47:08
